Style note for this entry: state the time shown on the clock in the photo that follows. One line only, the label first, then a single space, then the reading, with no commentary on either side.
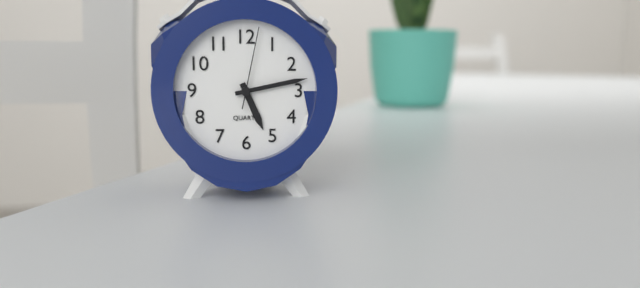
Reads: 5:13:02
